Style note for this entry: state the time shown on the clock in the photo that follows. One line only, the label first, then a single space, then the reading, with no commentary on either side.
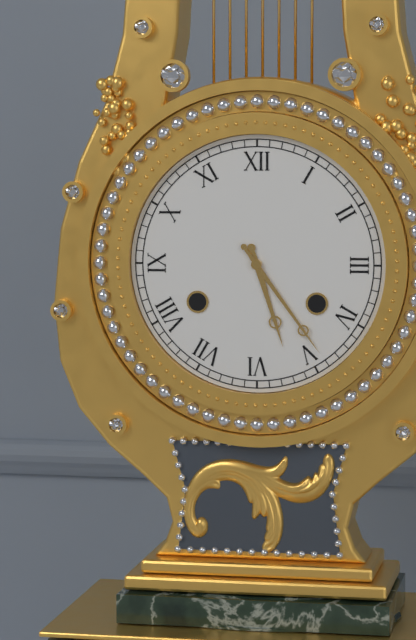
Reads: 5:24
